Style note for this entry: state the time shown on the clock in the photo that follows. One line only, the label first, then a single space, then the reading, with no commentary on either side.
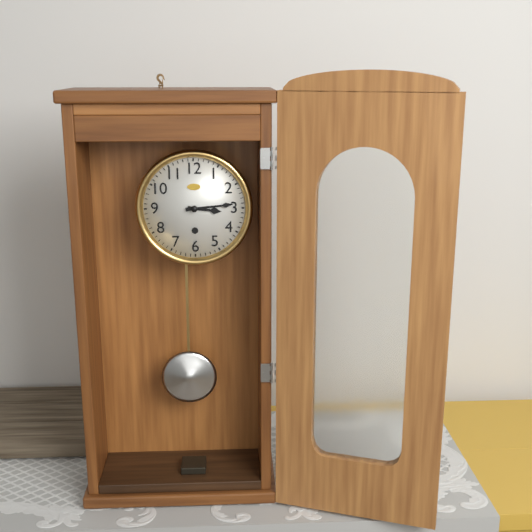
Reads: 3:14
